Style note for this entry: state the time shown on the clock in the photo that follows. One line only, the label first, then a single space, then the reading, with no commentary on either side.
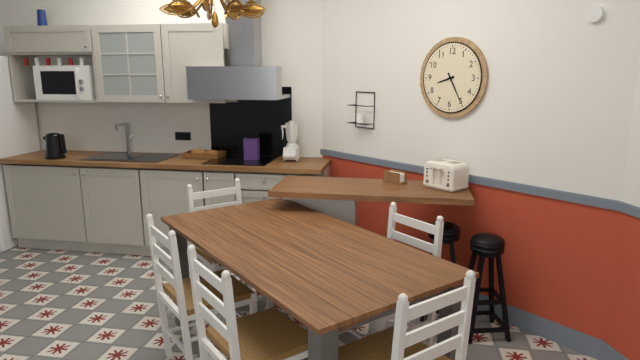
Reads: 8:25
